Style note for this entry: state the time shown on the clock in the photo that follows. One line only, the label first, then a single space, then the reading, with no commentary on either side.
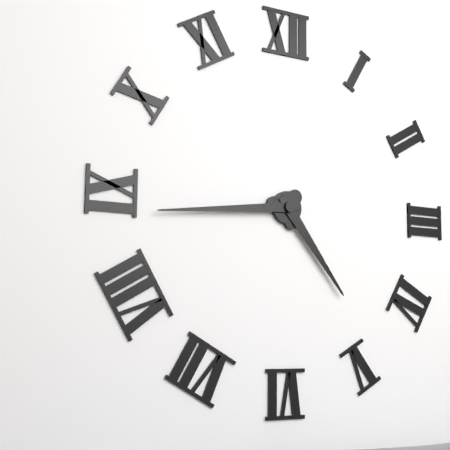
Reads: 4:44
